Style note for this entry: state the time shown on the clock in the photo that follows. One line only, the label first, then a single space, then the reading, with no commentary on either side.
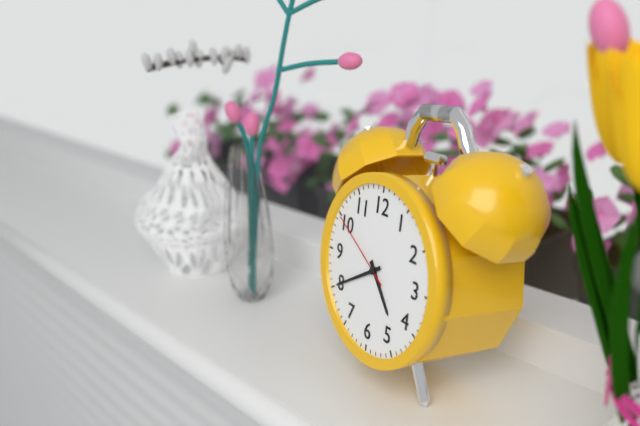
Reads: 4:40:50
